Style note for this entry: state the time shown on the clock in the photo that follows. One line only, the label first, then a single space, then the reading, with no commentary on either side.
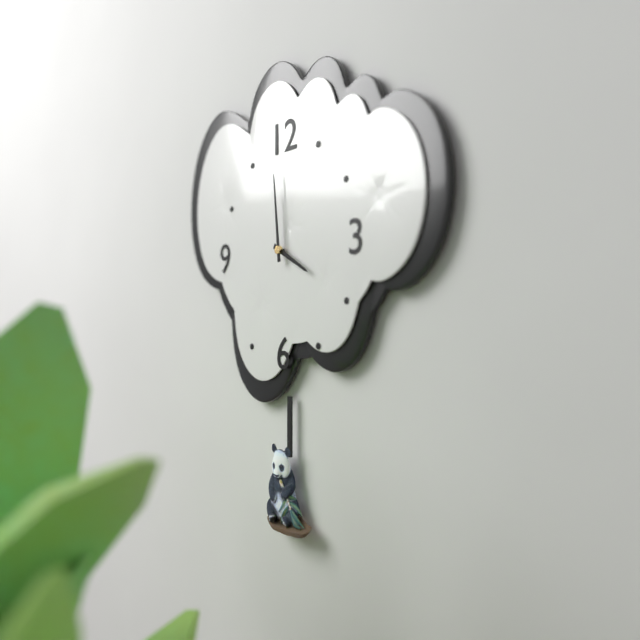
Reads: 3:59
